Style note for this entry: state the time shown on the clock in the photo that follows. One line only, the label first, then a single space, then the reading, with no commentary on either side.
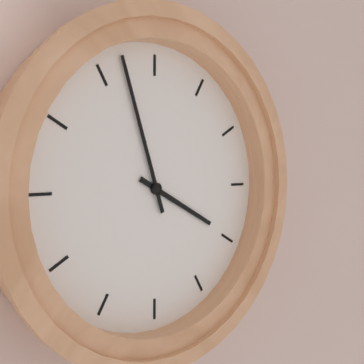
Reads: 3:57
